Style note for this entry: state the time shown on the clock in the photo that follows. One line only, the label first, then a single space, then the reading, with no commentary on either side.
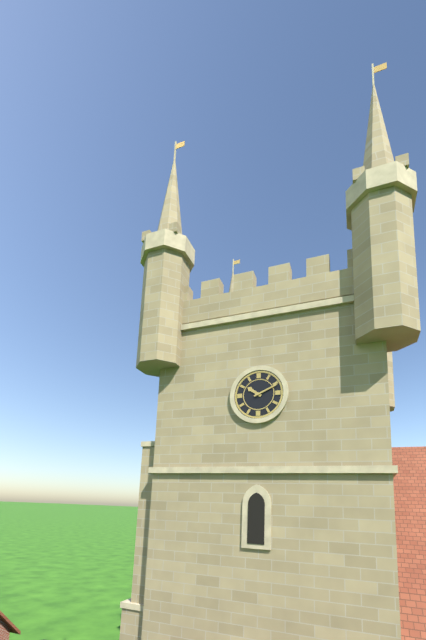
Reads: 10:11
